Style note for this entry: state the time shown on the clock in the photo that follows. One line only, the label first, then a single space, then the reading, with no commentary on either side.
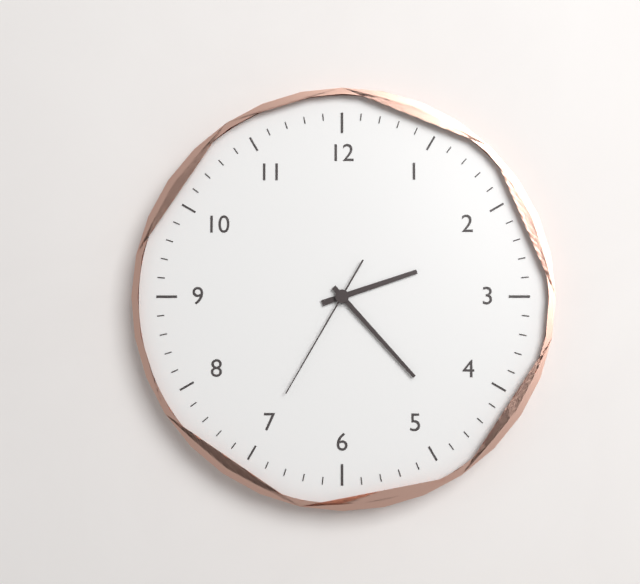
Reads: 2:23:35
